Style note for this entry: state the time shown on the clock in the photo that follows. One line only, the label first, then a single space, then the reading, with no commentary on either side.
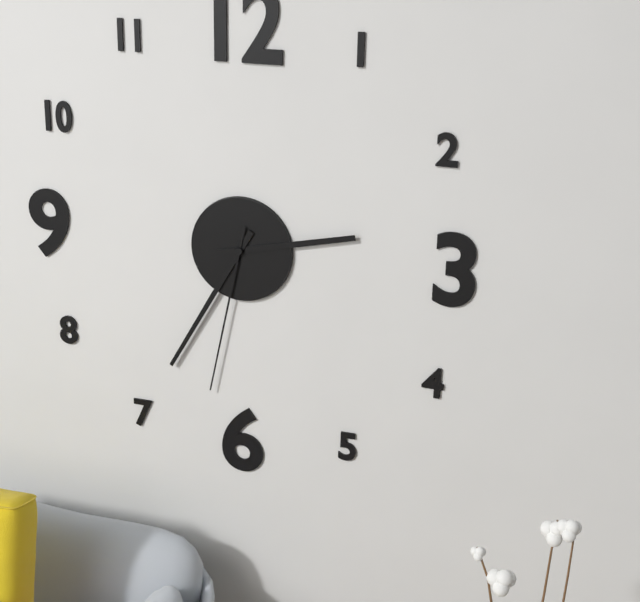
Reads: 2:35:32
